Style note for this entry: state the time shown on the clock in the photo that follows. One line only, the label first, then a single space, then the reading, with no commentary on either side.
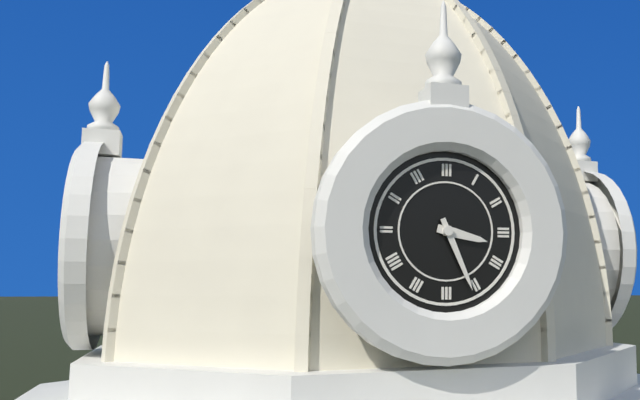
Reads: 3:26
